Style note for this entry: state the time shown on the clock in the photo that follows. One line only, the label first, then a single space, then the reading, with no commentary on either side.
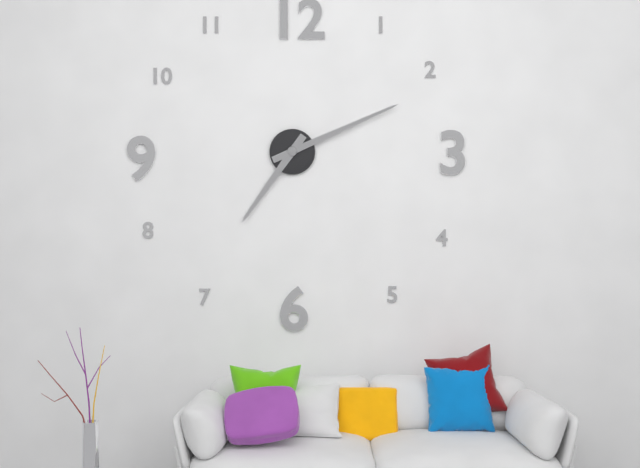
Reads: 7:11
